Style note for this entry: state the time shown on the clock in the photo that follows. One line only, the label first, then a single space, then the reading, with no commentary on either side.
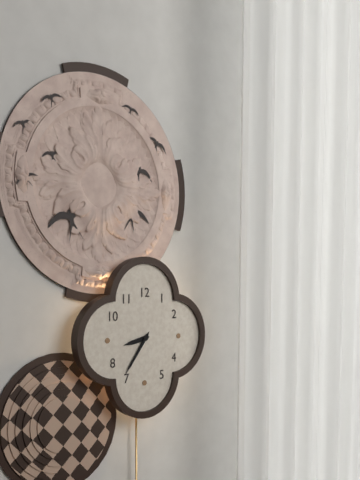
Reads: 8:36
